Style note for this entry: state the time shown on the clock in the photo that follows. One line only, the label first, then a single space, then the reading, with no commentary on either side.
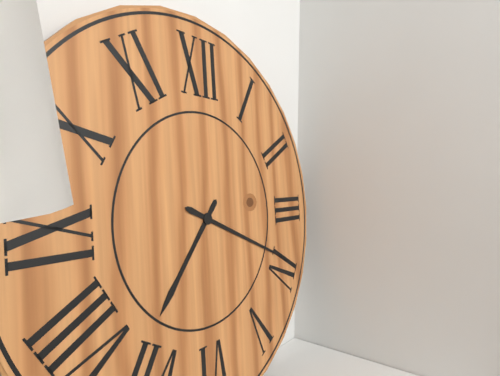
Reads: 7:19
